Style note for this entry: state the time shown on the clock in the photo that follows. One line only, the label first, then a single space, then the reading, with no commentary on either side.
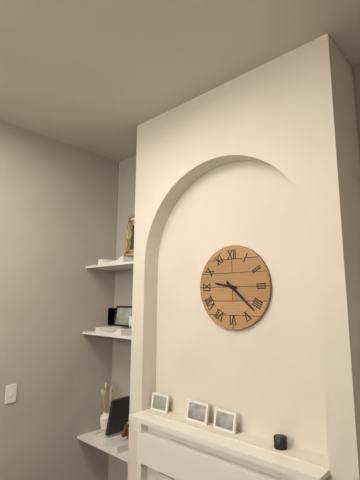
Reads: 9:22
